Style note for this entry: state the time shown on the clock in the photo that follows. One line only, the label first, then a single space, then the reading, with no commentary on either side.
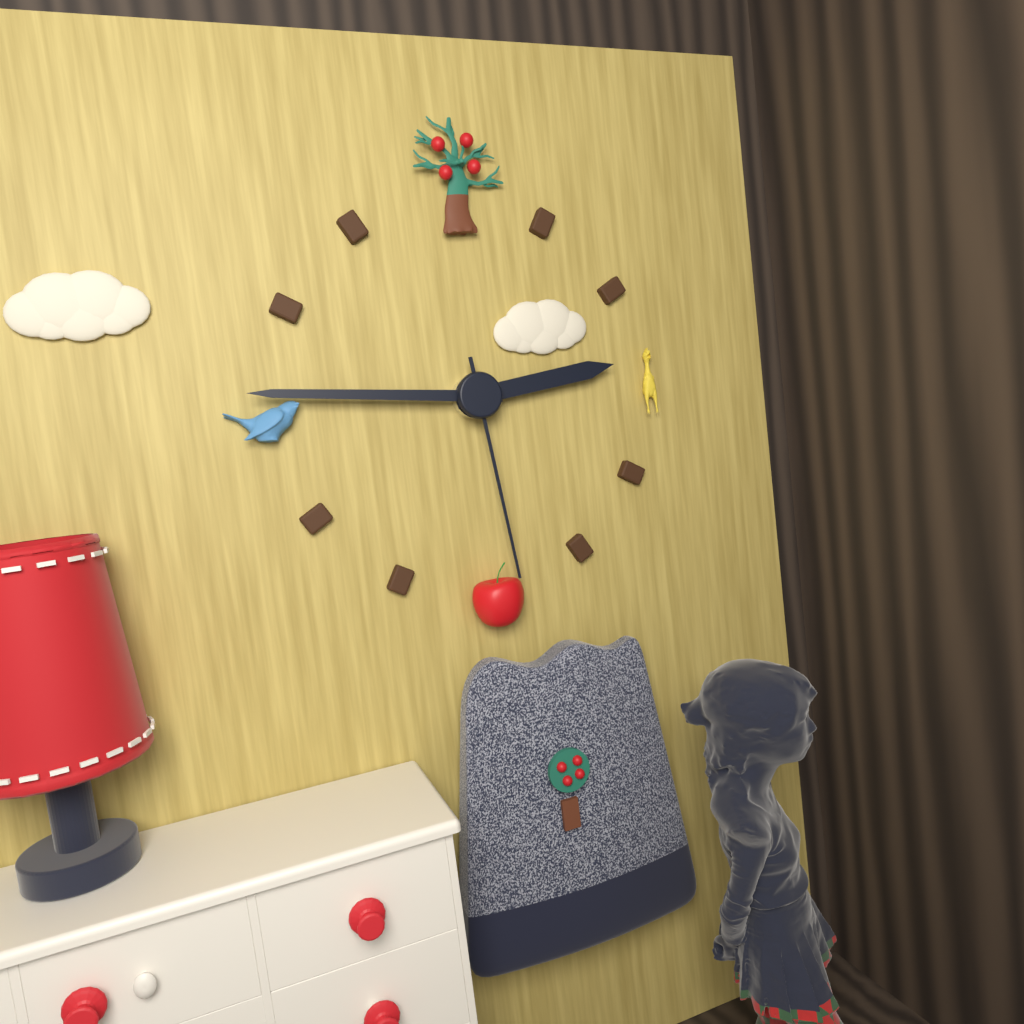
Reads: 2:46:29
